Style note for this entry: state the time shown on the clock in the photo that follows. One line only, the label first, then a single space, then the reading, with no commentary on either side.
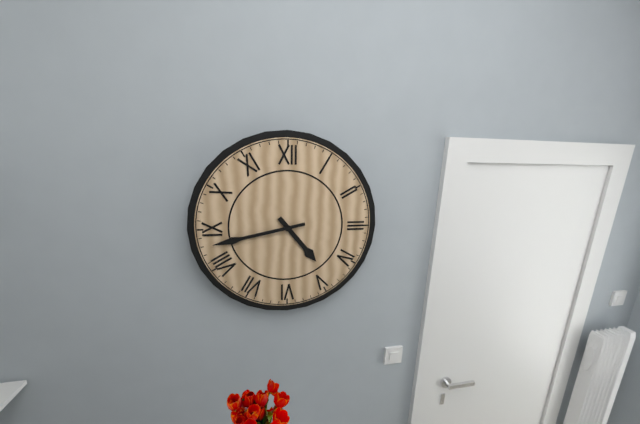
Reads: 4:43
